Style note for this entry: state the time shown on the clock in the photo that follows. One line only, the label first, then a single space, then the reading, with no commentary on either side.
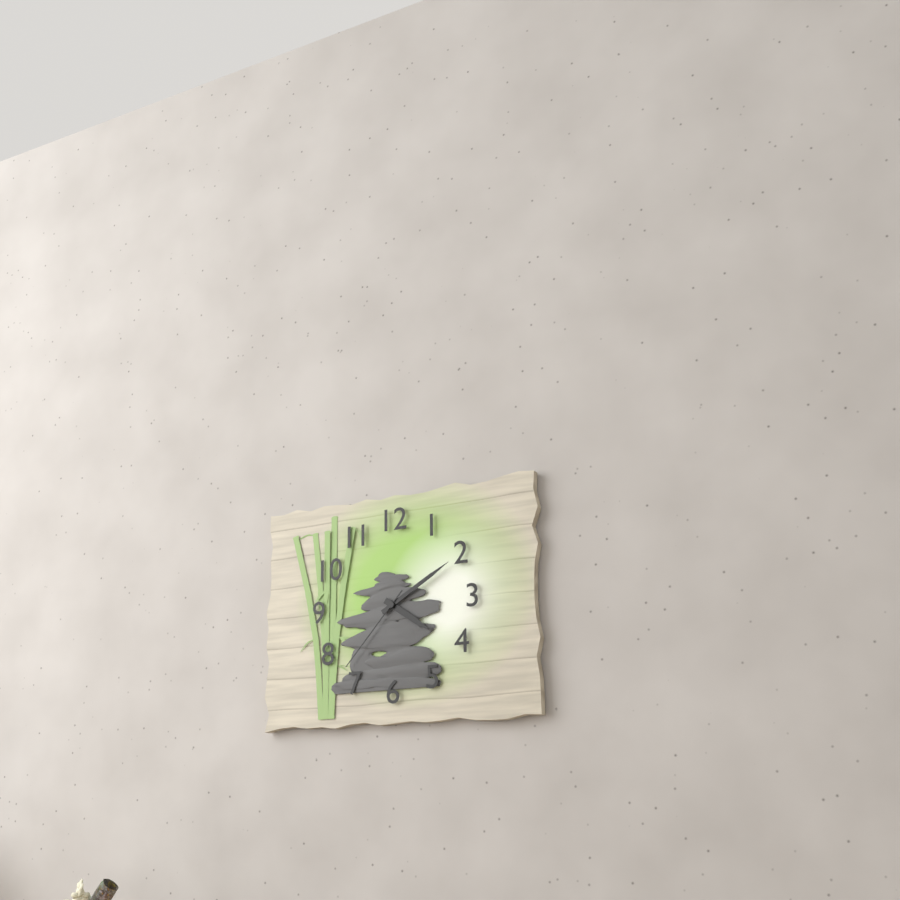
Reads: 4:10:37
